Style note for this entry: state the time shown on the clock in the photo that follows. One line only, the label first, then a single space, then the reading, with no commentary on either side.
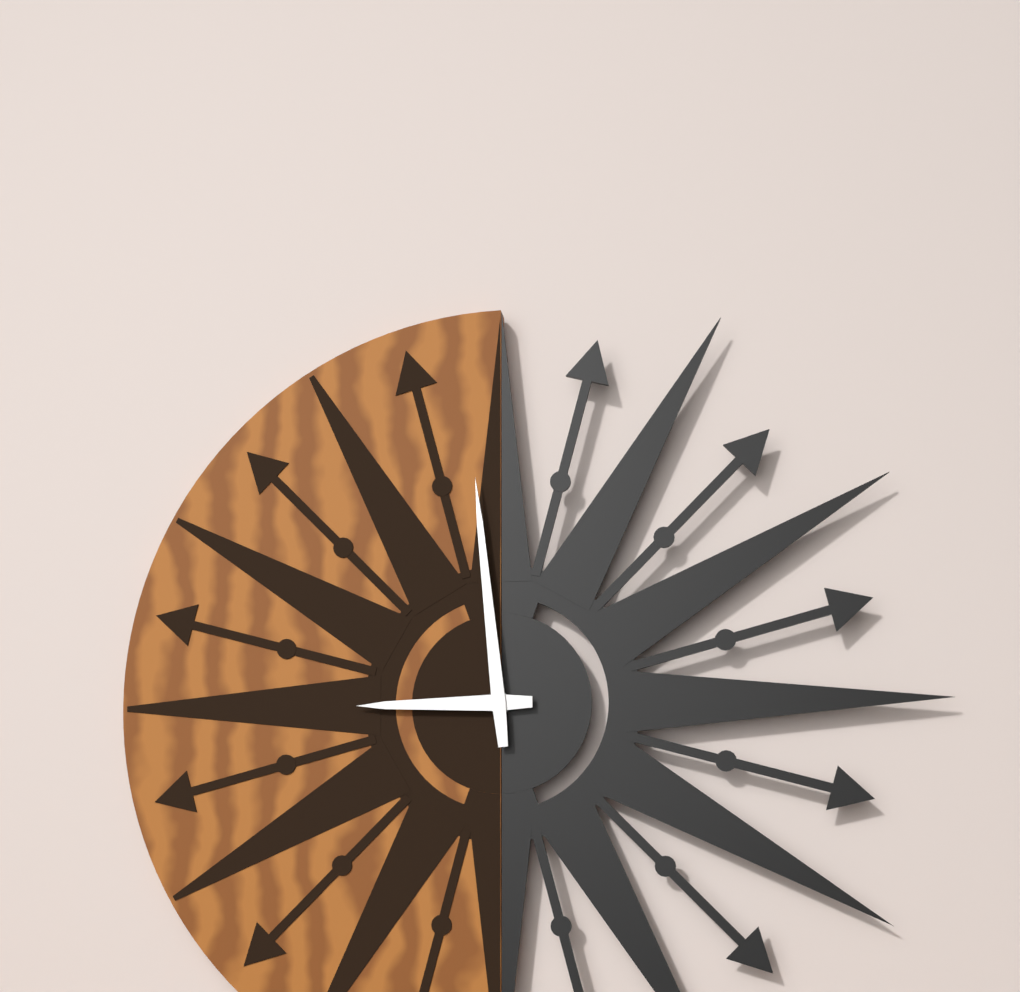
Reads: 8:59
